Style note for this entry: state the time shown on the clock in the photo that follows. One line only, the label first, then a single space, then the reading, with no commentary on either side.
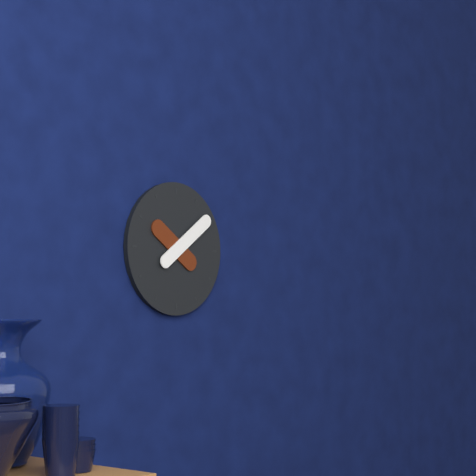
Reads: 10:09
